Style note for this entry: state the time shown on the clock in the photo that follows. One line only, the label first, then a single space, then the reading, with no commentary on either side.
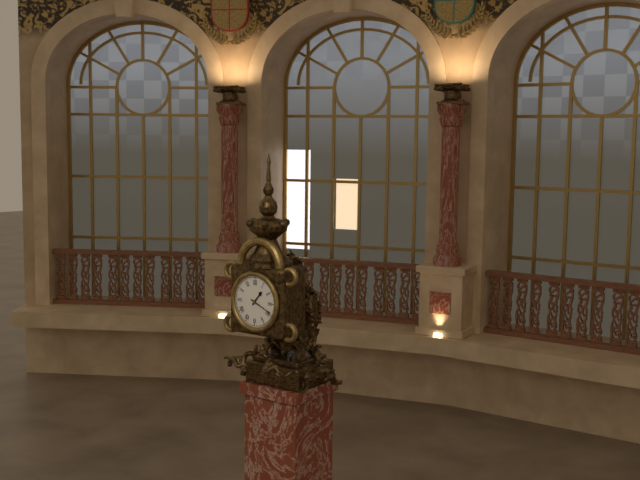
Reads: 1:19
